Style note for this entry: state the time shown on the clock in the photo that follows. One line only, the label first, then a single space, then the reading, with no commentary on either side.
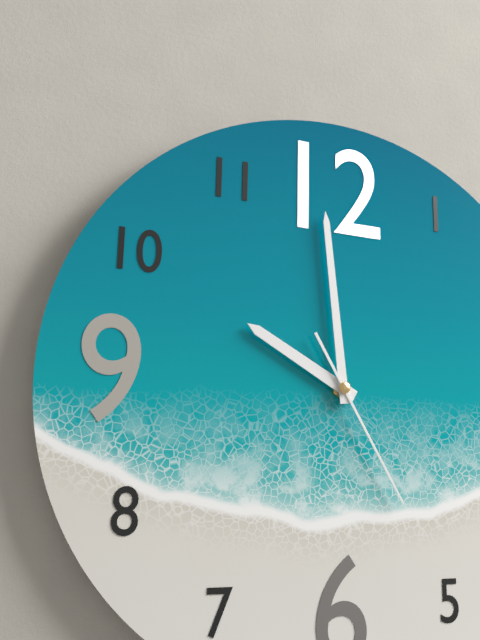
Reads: 9:59:25
